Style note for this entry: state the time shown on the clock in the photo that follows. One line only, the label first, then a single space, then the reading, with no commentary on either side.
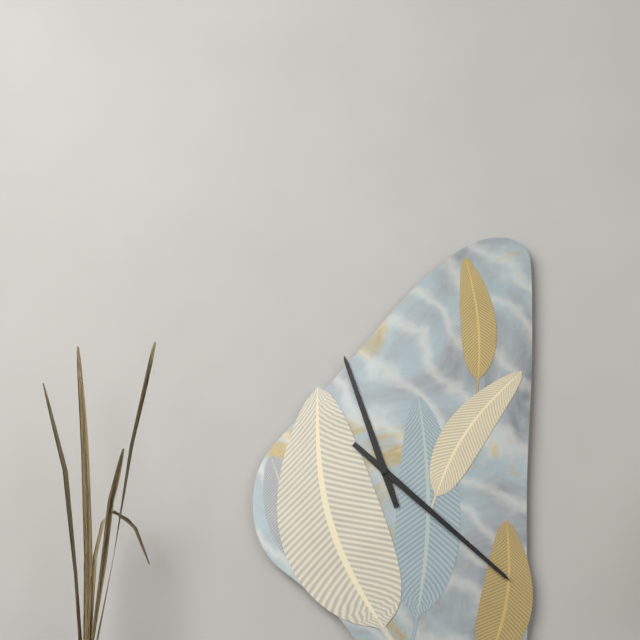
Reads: 11:22
